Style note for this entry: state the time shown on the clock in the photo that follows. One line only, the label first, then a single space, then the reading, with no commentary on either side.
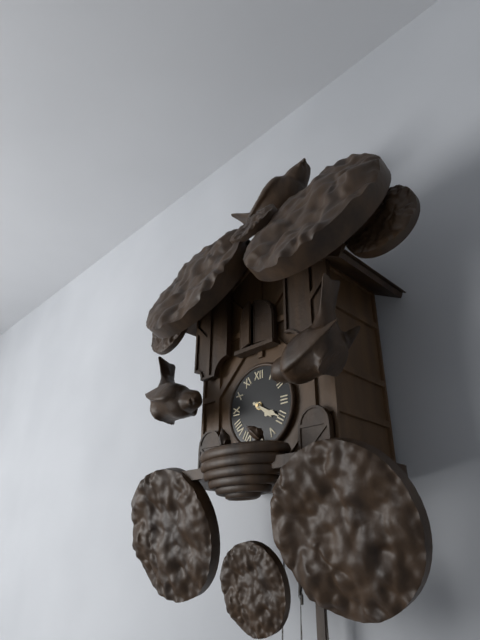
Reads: 4:20
